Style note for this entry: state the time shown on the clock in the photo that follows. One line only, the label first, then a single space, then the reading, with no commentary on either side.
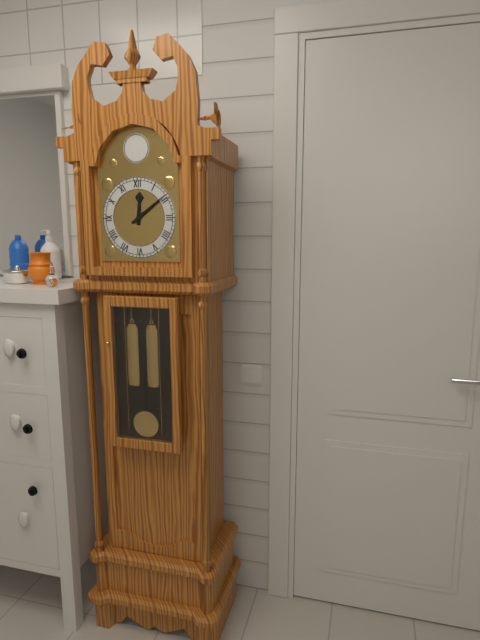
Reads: 12:09
